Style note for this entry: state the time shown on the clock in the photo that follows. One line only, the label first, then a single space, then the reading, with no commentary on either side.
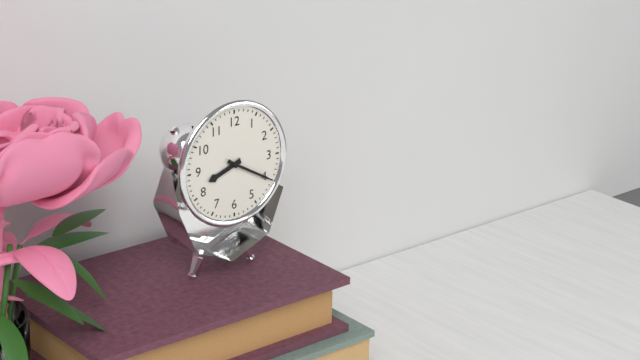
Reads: 8:20
